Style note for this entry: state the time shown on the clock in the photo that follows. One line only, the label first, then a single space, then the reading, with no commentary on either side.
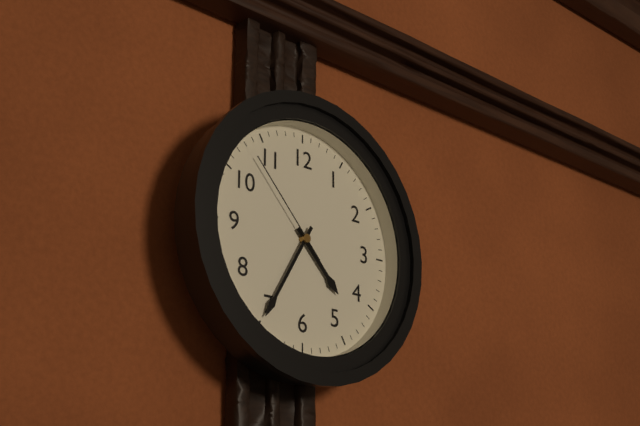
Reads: 4:35:53
